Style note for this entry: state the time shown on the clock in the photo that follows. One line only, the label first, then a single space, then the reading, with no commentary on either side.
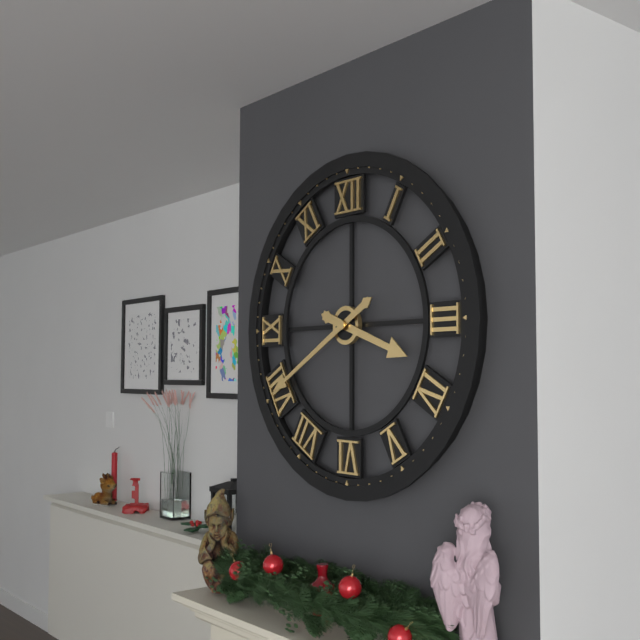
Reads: 3:40
